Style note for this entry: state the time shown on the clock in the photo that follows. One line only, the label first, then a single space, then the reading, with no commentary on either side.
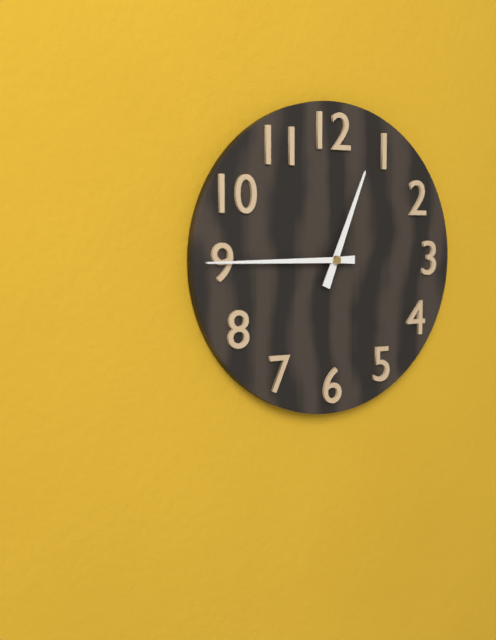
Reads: 12:45
